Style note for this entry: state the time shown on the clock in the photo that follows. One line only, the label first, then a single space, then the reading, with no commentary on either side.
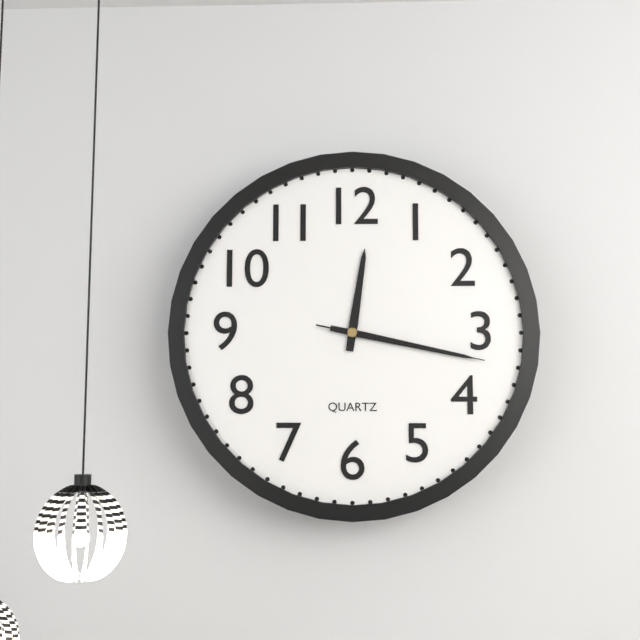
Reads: 12:17:17
